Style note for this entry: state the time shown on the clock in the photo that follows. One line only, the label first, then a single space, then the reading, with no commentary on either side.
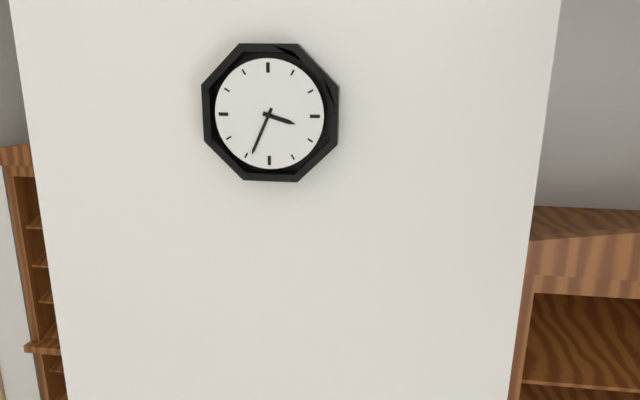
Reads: 3:34
